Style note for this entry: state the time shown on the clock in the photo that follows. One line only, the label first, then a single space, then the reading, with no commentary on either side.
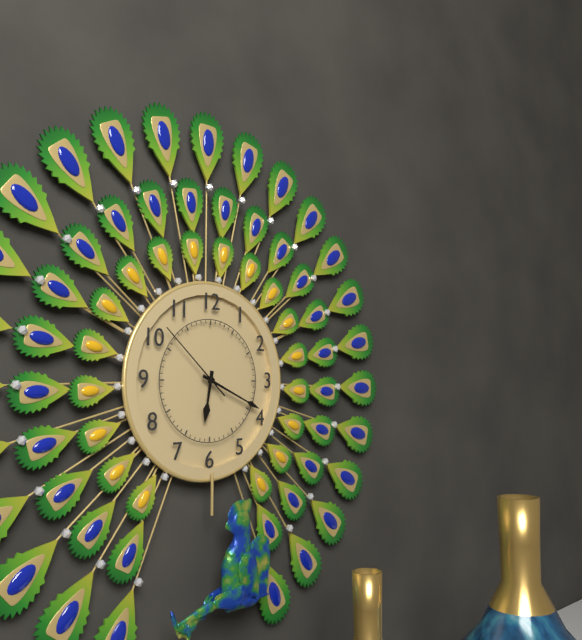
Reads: 6:19:52
